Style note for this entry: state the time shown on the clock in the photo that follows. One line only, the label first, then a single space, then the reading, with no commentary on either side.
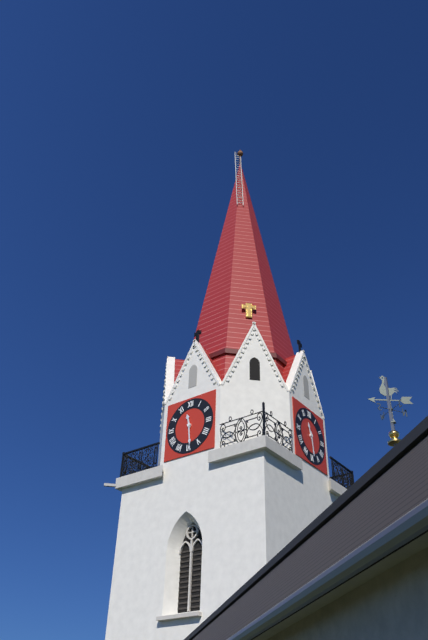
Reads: 11:29
